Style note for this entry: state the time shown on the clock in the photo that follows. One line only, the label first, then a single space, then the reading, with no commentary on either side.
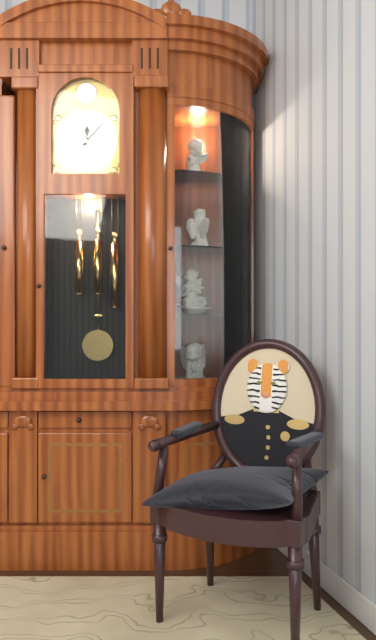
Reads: 12:07
